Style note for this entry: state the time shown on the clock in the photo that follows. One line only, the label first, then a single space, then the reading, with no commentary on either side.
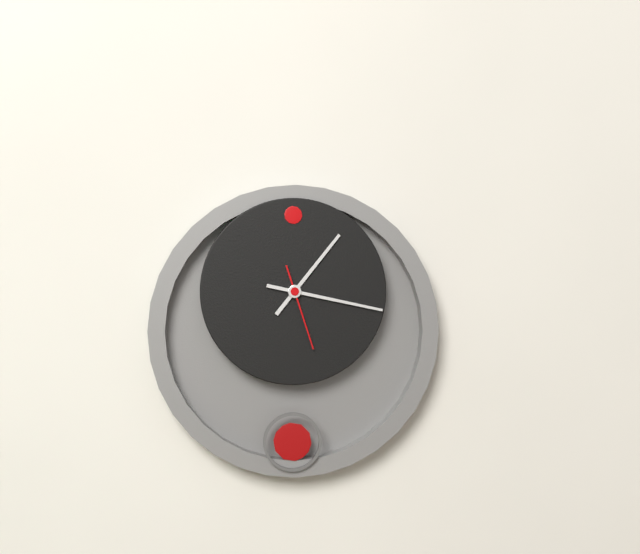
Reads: 1:17:27
